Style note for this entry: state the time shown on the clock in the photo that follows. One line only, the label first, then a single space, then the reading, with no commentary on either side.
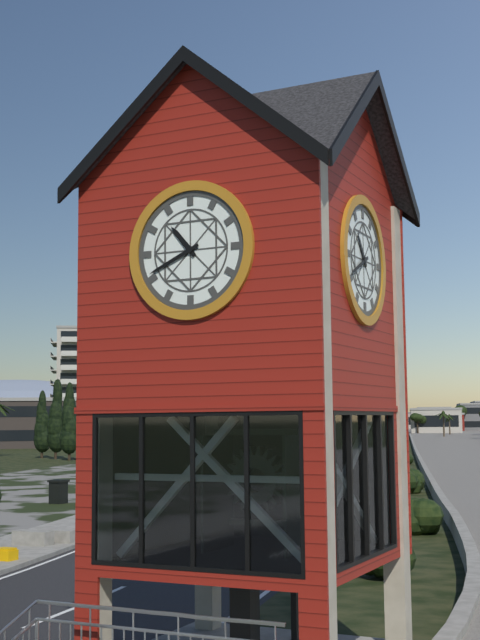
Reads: 10:41
